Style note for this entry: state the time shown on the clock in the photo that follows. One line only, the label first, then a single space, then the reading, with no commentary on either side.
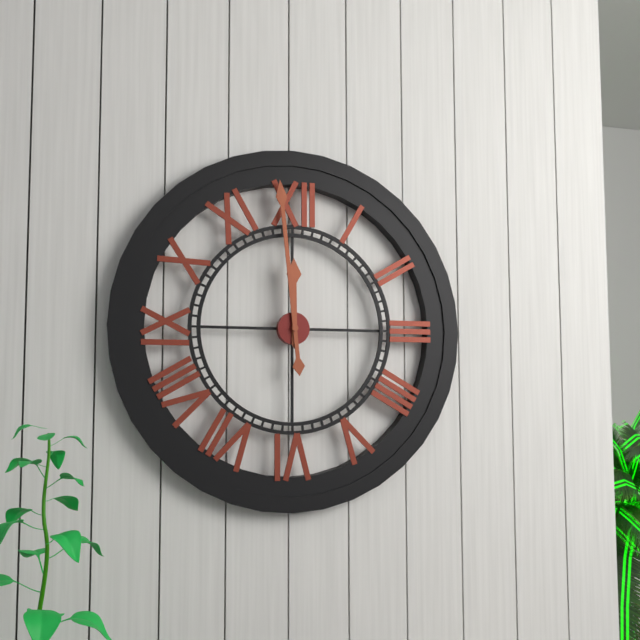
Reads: 11:59
